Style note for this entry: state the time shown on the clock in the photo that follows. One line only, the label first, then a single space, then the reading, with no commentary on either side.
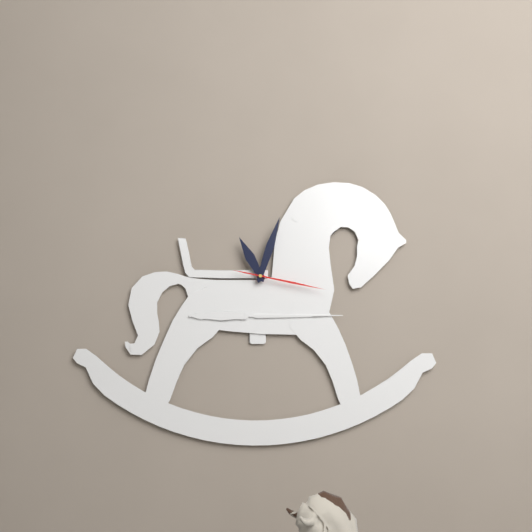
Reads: 11:03:17
